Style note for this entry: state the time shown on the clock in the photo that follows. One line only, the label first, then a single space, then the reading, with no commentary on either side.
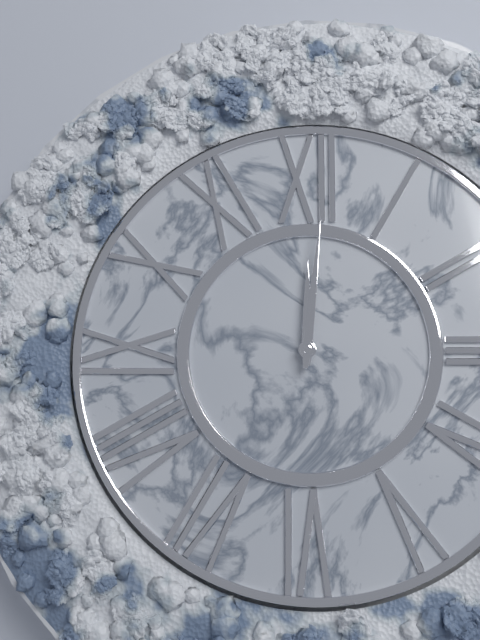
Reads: 12:01
